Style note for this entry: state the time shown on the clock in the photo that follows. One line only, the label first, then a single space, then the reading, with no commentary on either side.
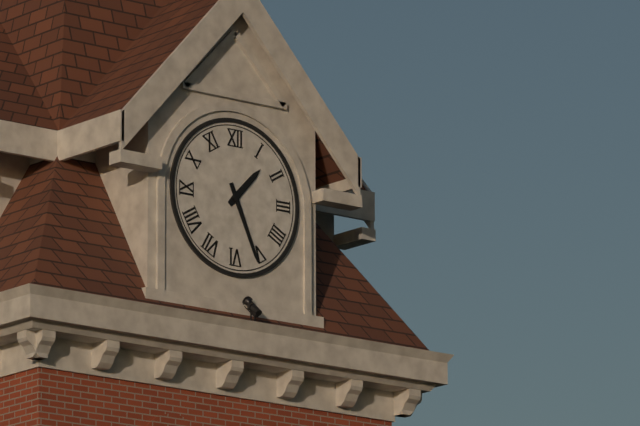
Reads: 1:26
